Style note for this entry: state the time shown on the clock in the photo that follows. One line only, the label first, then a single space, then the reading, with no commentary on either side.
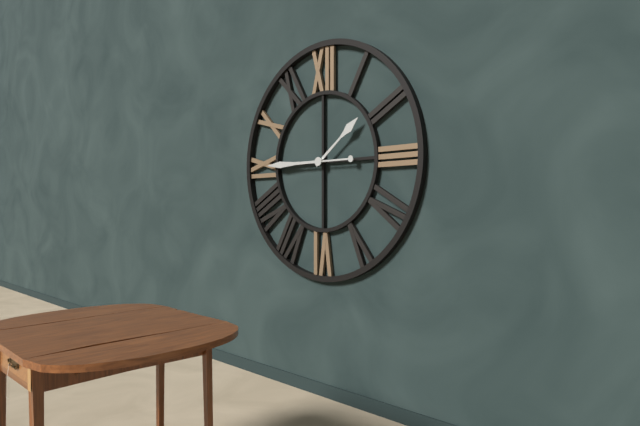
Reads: 1:45
